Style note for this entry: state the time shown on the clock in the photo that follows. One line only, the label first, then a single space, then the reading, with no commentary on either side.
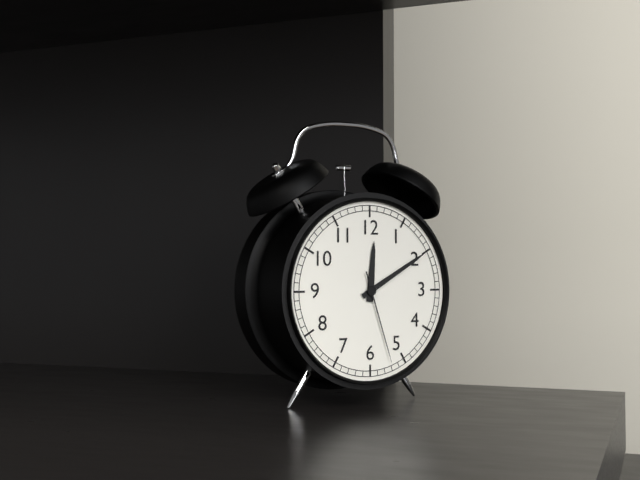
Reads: 12:10:27
